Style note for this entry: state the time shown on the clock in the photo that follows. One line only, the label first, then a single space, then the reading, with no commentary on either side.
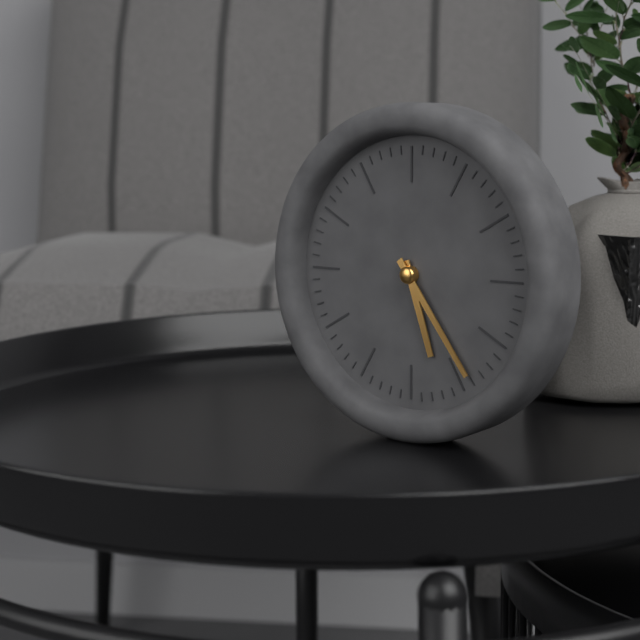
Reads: 5:24
